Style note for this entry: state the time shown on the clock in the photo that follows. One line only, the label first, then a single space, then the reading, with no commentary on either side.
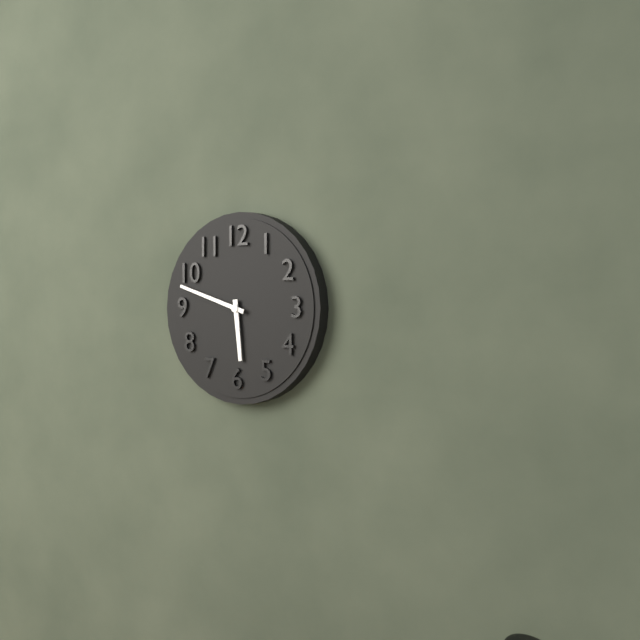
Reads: 5:48
